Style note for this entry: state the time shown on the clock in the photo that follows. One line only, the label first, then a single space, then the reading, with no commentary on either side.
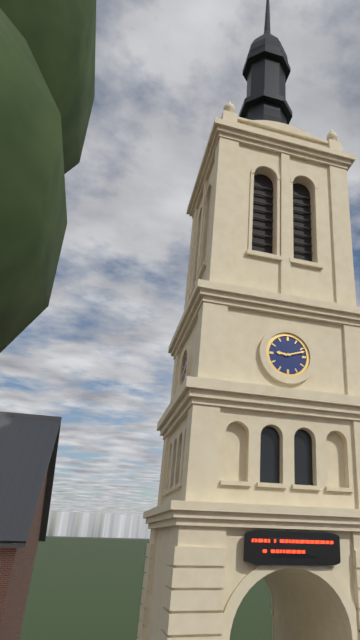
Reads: 9:12
